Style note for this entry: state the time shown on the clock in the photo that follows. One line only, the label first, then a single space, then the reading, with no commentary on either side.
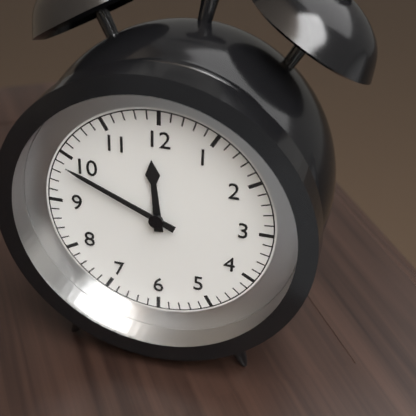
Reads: 11:49
